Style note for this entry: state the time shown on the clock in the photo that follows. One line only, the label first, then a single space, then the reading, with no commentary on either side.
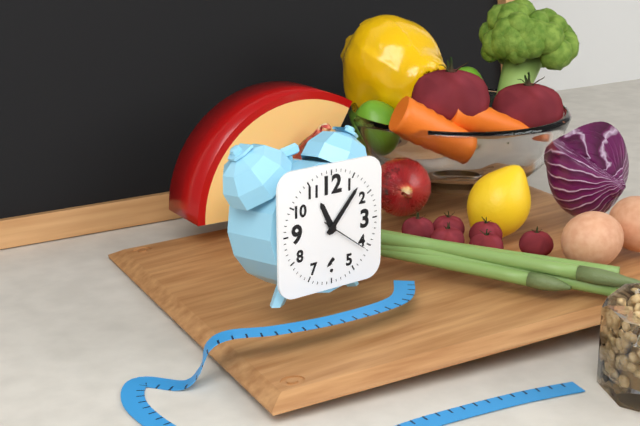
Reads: 11:07
